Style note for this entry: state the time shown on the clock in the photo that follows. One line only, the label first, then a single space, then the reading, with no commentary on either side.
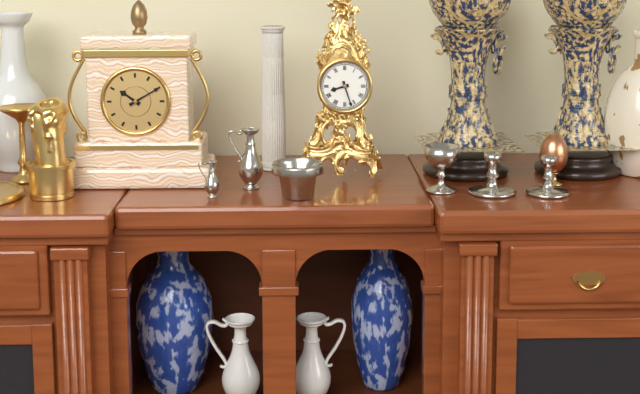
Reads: 8:27
